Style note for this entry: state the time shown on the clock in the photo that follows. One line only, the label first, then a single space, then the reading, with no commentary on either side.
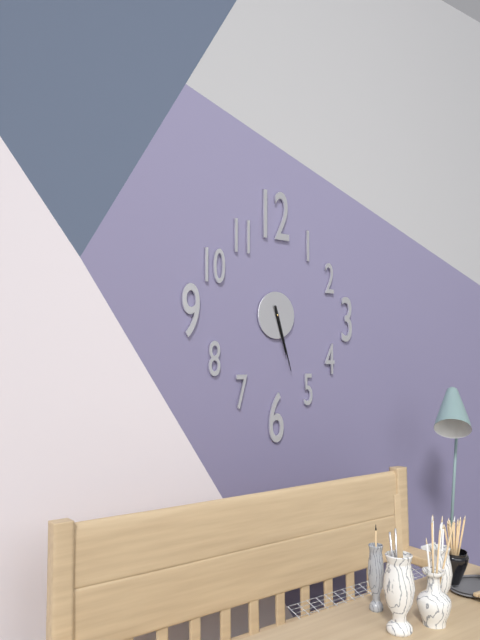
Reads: 5:27
